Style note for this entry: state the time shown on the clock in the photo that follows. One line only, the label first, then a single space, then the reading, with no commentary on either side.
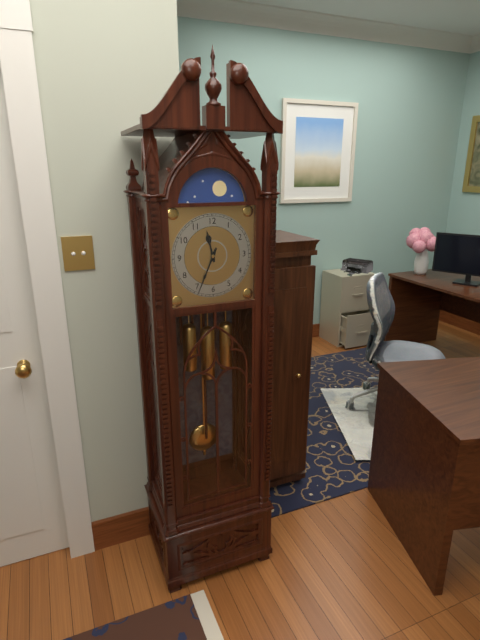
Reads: 11:34
